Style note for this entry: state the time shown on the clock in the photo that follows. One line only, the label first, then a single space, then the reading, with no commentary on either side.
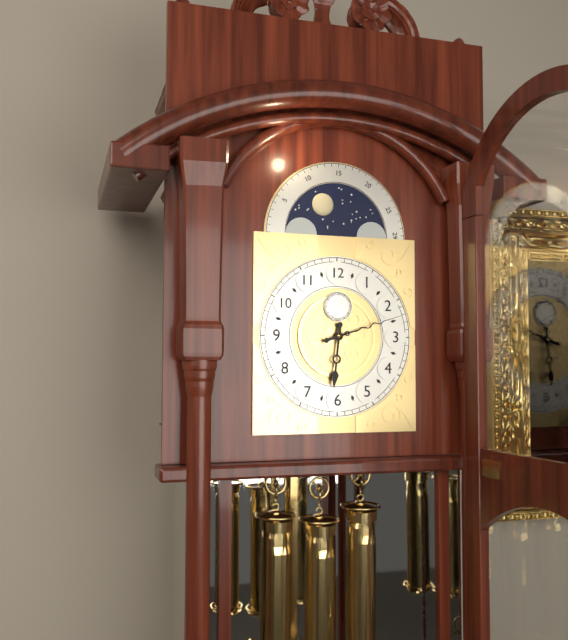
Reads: 6:12
